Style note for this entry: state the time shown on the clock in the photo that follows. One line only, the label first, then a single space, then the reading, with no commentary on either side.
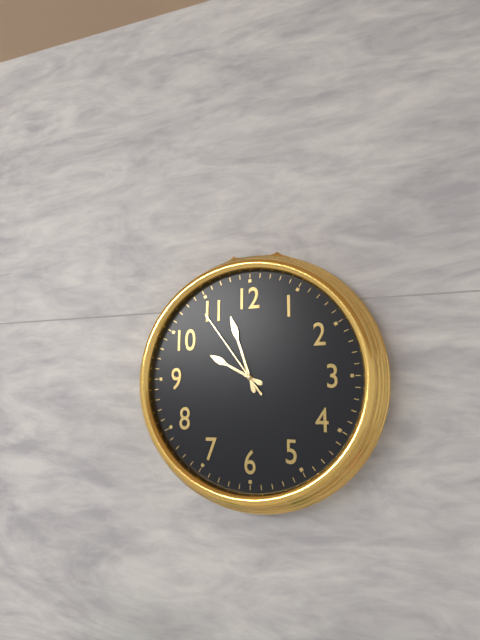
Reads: 9:57:54
